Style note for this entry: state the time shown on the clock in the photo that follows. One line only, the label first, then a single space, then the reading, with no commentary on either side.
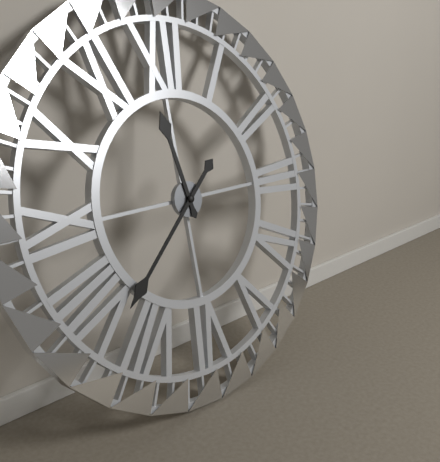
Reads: 11:38
